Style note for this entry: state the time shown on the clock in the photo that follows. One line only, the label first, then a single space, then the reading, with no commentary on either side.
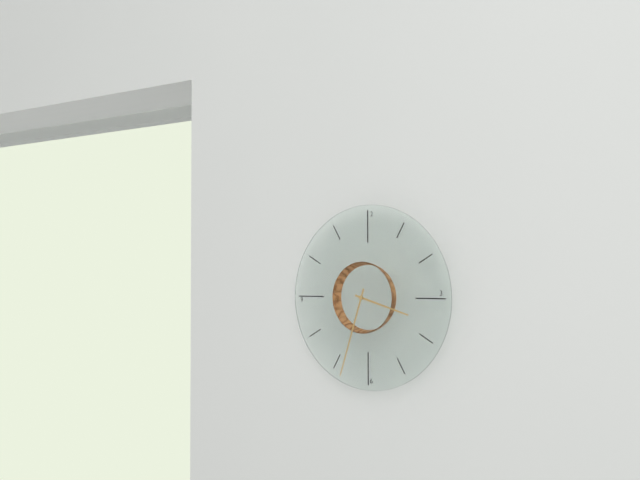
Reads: 3:33
